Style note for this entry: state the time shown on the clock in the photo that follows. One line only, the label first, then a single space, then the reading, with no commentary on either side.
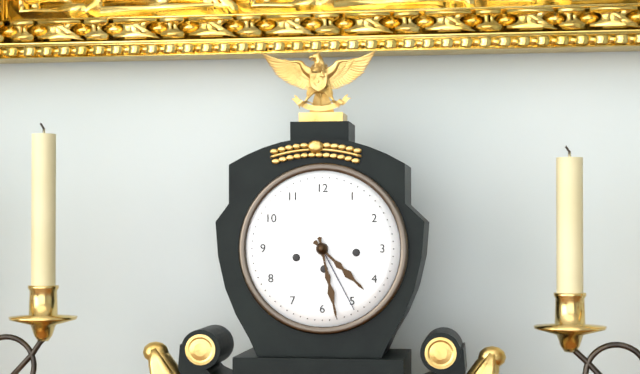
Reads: 4:28
